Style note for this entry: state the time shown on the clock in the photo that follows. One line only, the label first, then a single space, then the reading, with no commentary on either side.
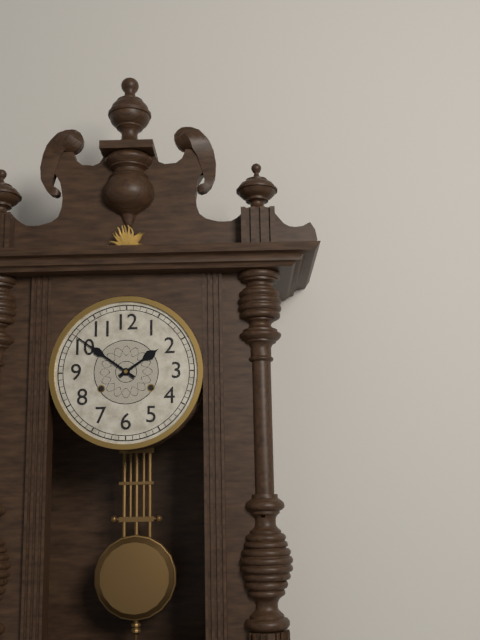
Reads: 1:51
